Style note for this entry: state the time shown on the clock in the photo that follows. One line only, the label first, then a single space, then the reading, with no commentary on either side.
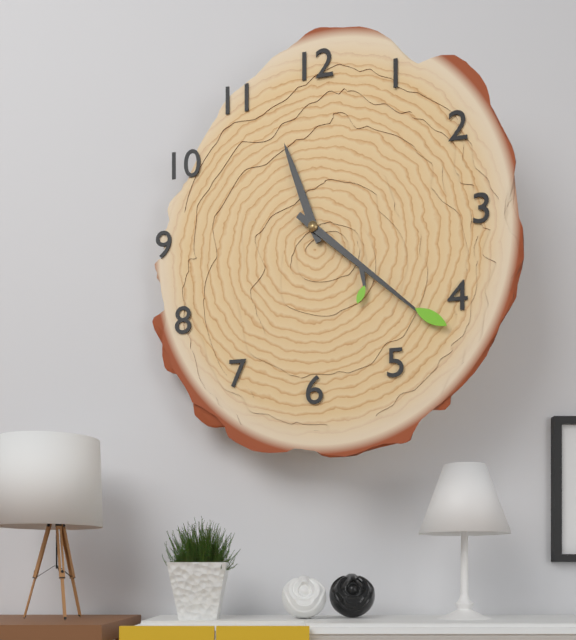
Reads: 11:22
